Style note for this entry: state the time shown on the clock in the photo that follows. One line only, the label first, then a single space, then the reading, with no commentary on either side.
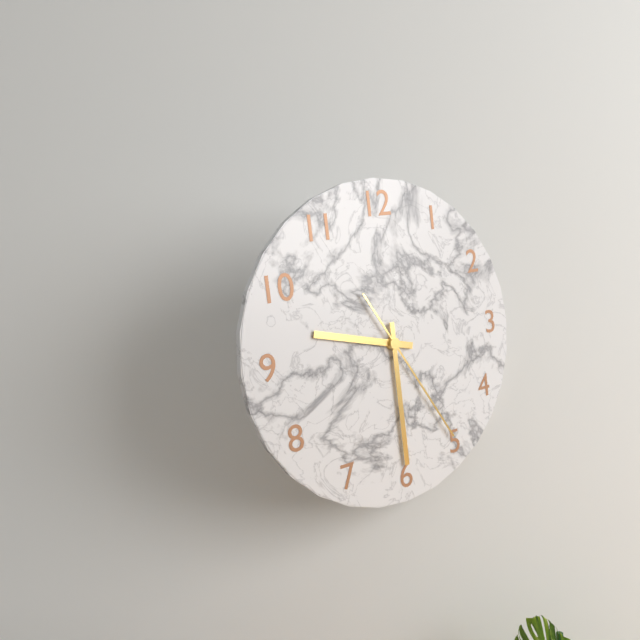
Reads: 9:30:25
